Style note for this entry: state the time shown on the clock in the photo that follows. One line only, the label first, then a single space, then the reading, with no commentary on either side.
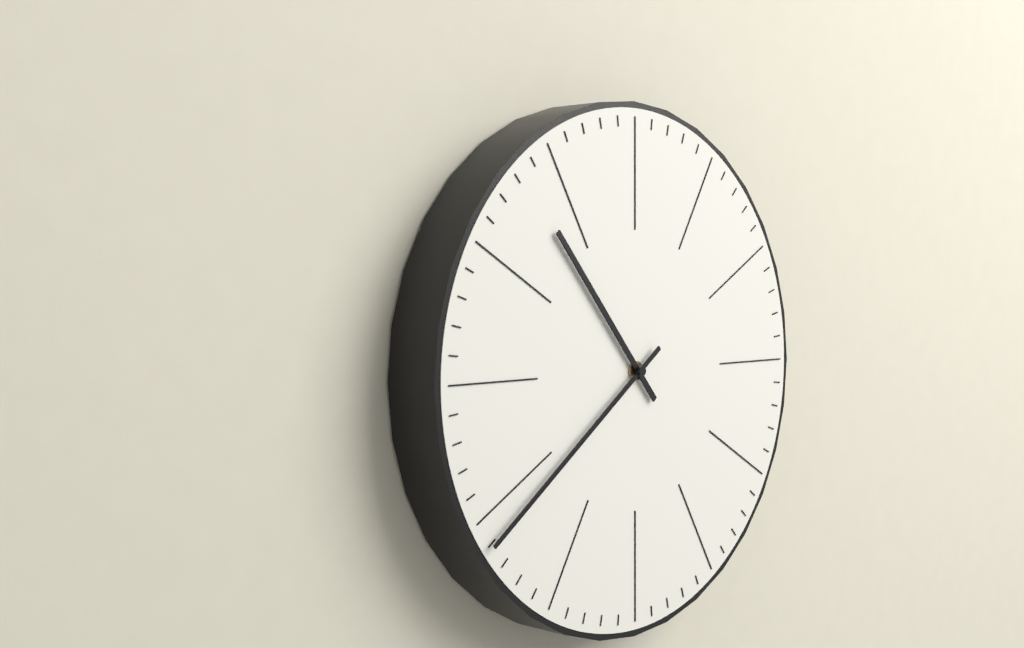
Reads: 10:39
